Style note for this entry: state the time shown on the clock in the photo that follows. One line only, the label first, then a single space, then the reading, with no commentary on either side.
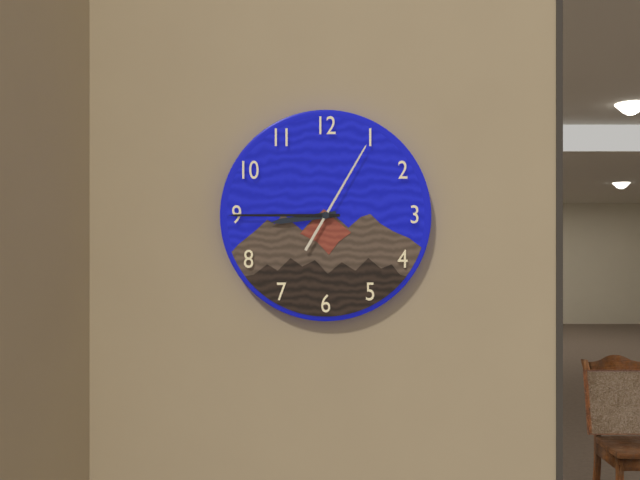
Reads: 8:45:05
